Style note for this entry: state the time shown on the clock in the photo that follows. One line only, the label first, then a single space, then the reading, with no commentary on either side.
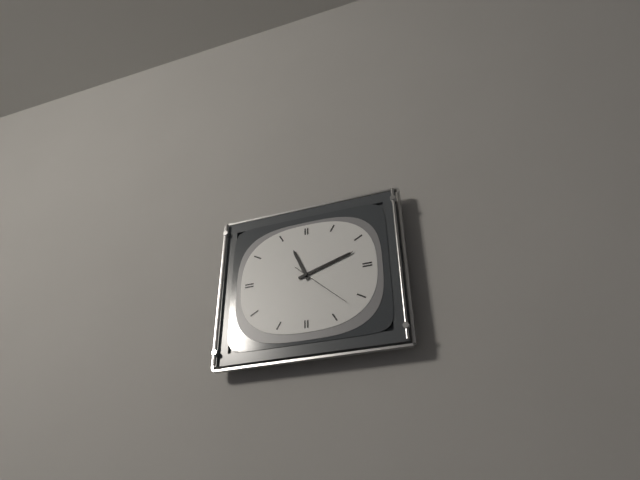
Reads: 11:12:22
